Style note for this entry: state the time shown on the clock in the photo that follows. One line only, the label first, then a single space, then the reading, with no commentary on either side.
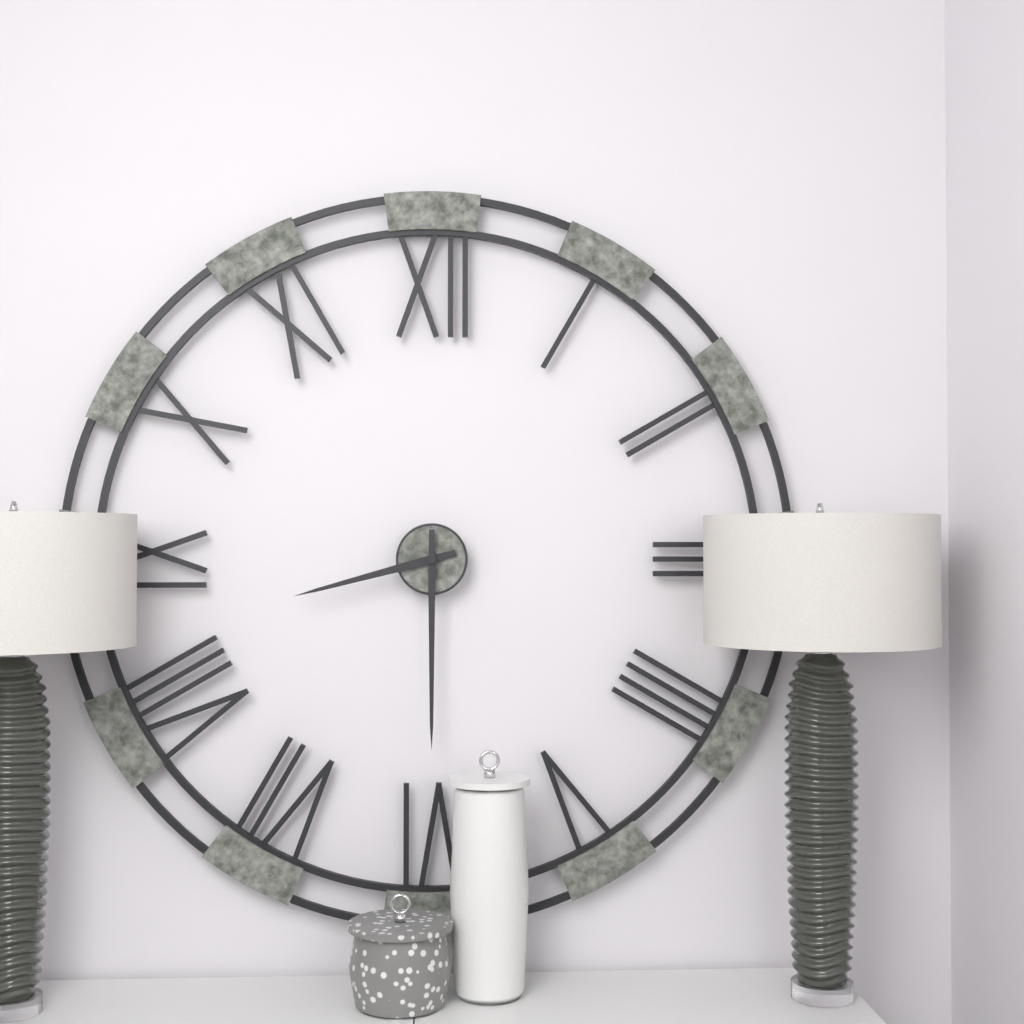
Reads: 8:30
